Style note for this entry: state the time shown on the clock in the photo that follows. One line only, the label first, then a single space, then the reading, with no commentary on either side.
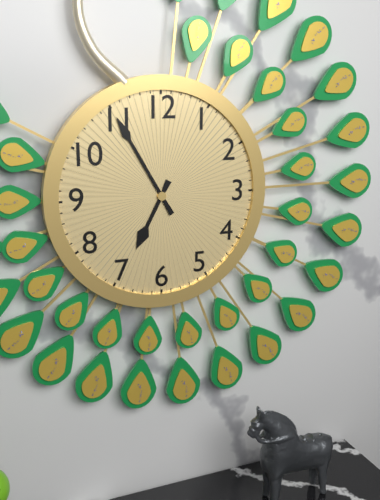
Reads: 6:55
